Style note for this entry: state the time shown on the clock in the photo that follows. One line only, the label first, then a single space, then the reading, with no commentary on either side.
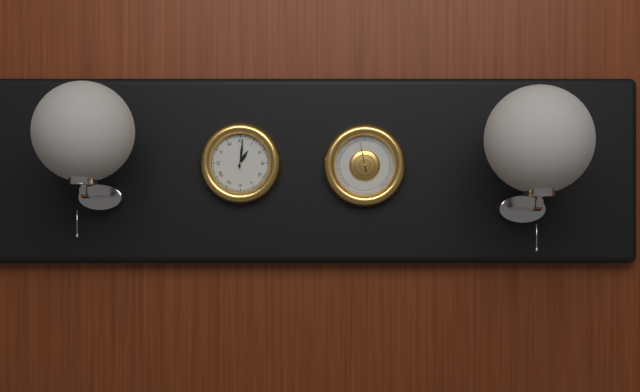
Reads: 1:01
